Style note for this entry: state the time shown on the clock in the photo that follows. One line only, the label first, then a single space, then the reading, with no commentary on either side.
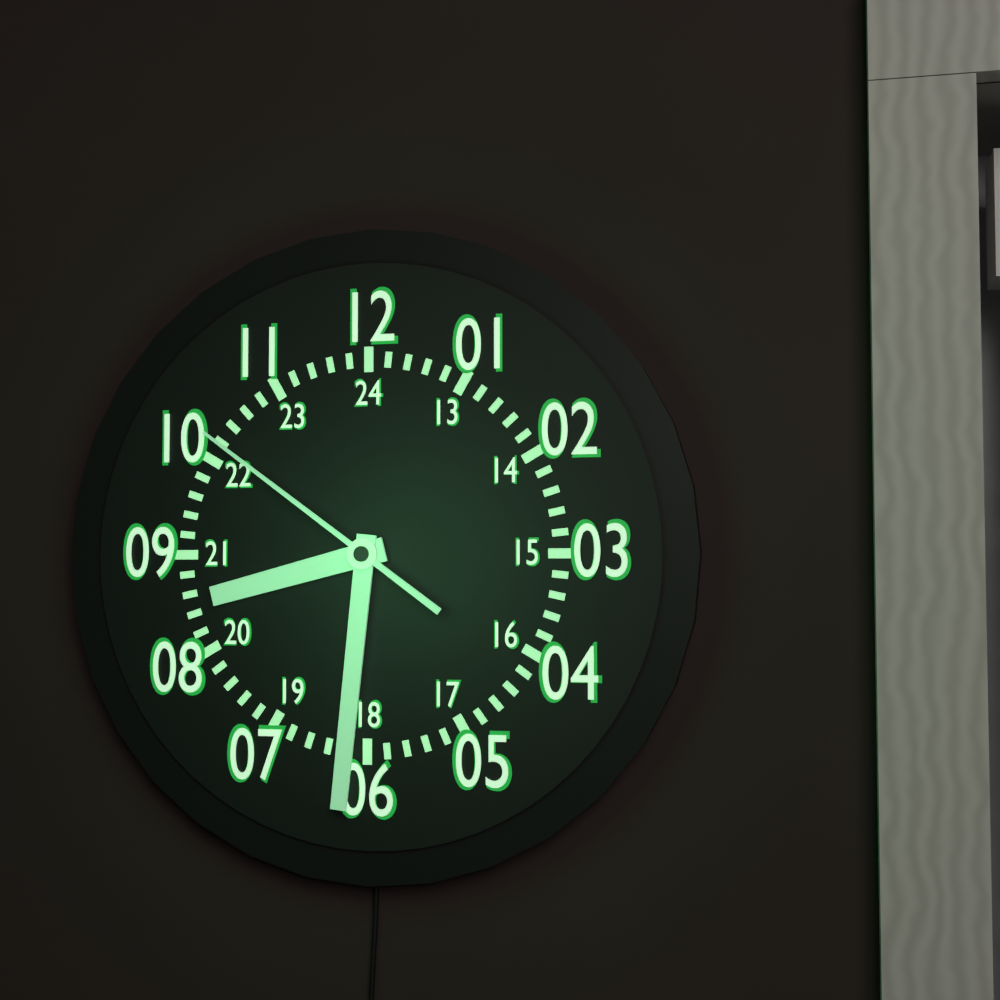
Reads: 8:31:51
